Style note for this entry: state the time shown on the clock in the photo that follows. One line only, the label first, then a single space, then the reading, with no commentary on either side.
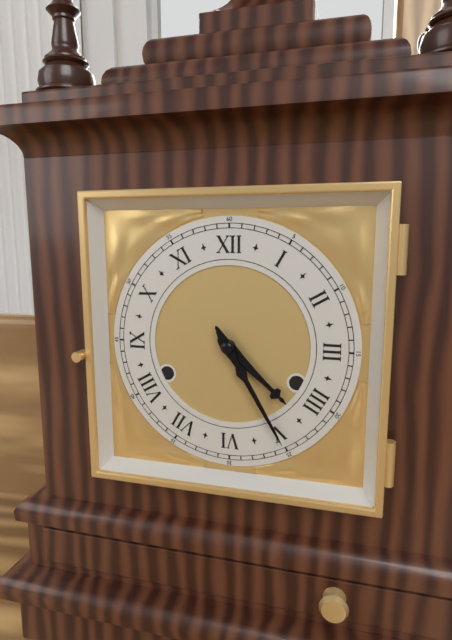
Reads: 4:25
